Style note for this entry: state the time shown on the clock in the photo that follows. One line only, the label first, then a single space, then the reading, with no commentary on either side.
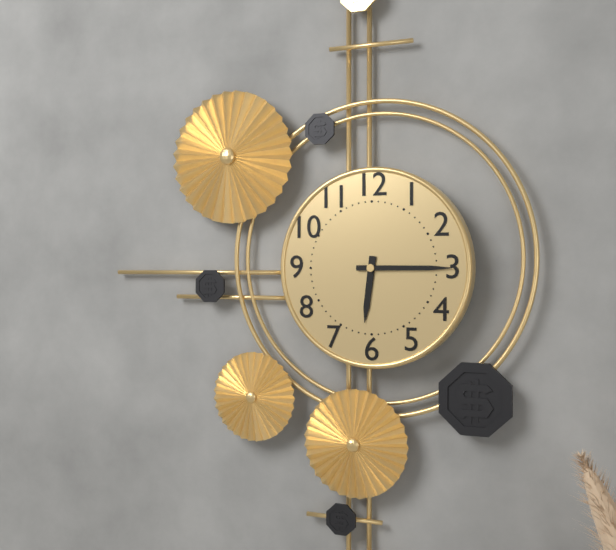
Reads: 6:15
